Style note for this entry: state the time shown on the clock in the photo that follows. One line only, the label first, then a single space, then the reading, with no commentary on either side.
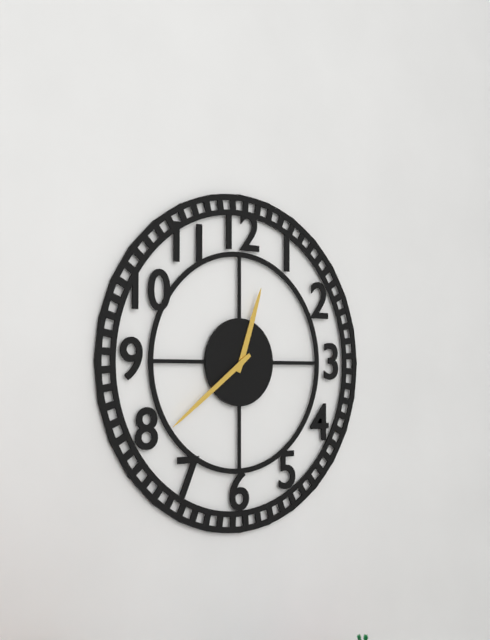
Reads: 12:39
